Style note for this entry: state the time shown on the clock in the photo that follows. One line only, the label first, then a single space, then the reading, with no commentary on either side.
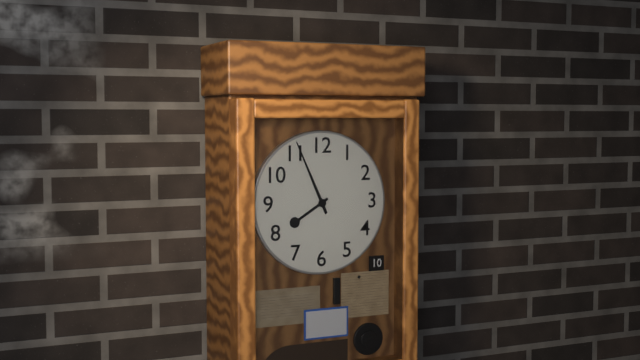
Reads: 7:56
